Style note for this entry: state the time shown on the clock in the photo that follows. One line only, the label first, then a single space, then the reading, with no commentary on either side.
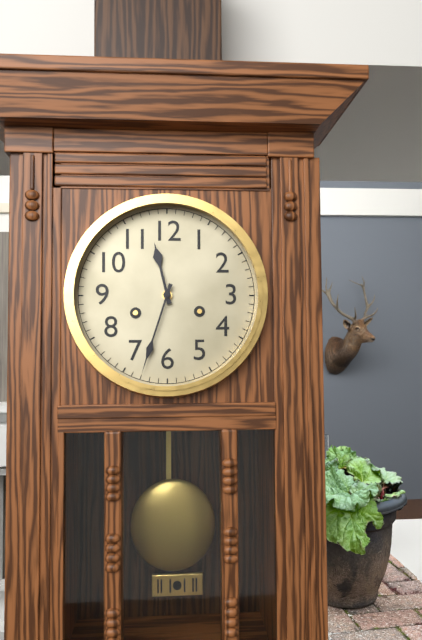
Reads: 11:33
